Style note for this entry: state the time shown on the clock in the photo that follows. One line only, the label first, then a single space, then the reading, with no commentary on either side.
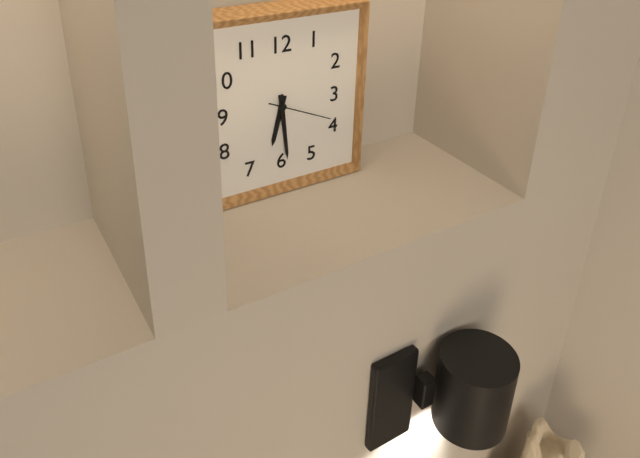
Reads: 6:29:19
